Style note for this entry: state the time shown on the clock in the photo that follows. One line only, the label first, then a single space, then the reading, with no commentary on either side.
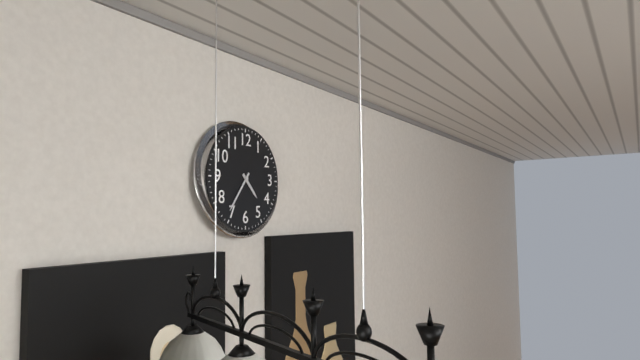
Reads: 4:36
